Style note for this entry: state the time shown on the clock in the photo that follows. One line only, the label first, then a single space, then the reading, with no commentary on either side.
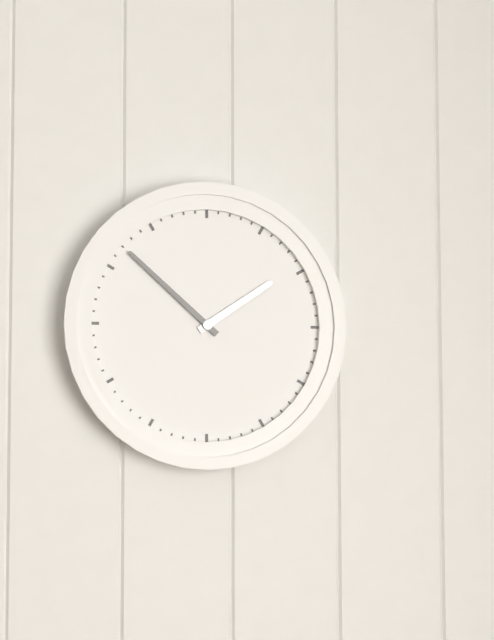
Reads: 1:52
